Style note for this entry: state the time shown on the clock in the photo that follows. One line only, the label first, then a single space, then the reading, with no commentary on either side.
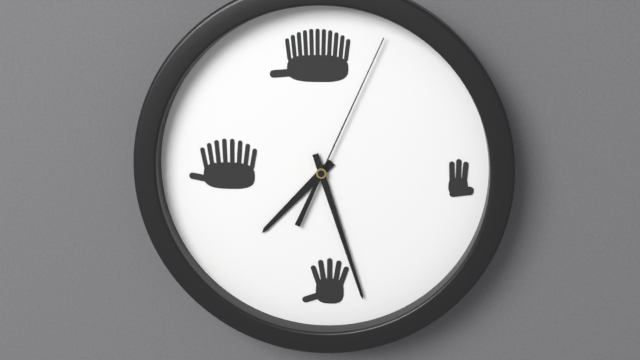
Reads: 7:27:04
